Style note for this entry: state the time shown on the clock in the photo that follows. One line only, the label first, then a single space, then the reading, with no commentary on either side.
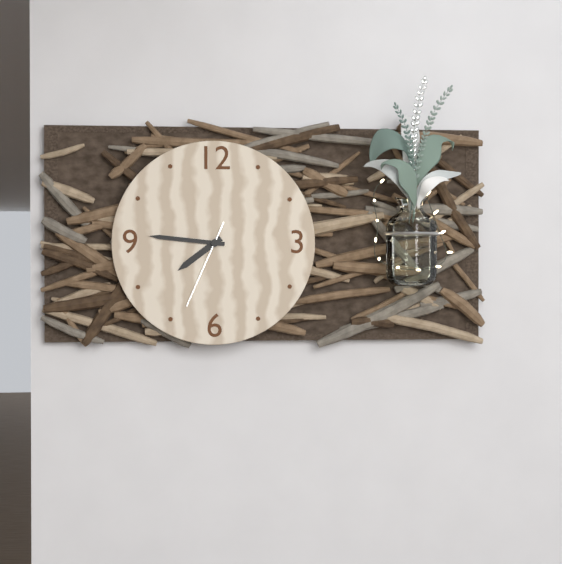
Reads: 7:46:34
